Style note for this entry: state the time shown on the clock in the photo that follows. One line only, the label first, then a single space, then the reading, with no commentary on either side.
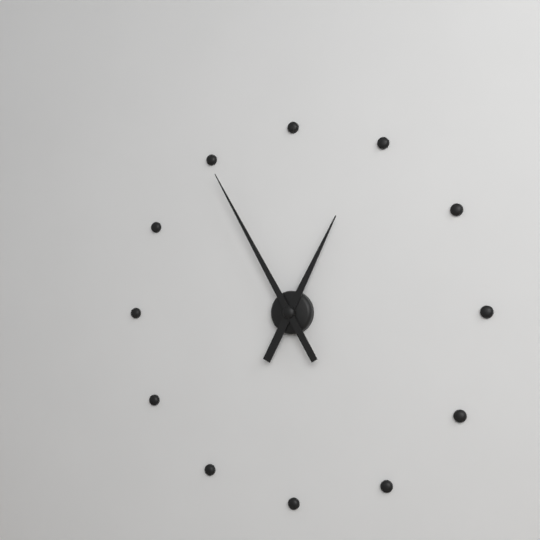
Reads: 12:55
